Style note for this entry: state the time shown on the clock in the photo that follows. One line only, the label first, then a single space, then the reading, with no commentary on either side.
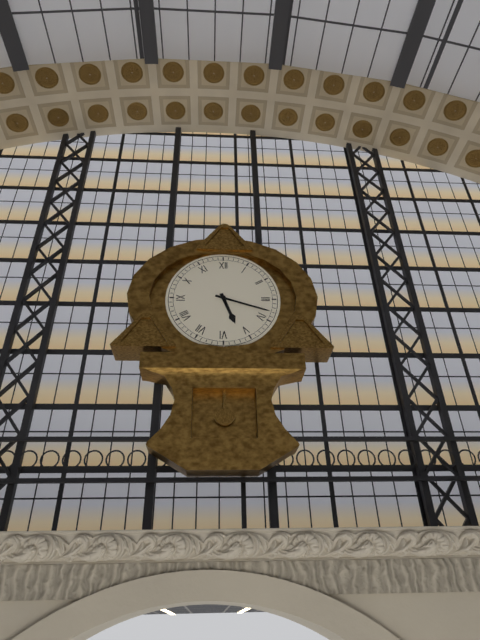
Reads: 5:18
